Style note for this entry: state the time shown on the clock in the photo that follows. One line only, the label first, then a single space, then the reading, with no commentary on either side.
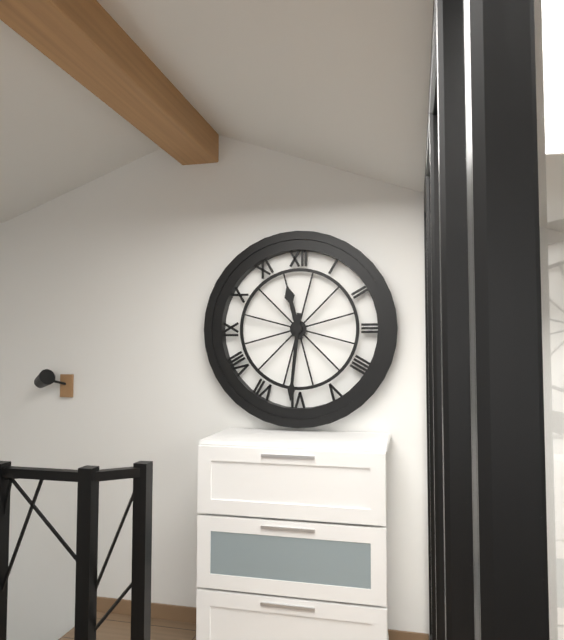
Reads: 11:31
